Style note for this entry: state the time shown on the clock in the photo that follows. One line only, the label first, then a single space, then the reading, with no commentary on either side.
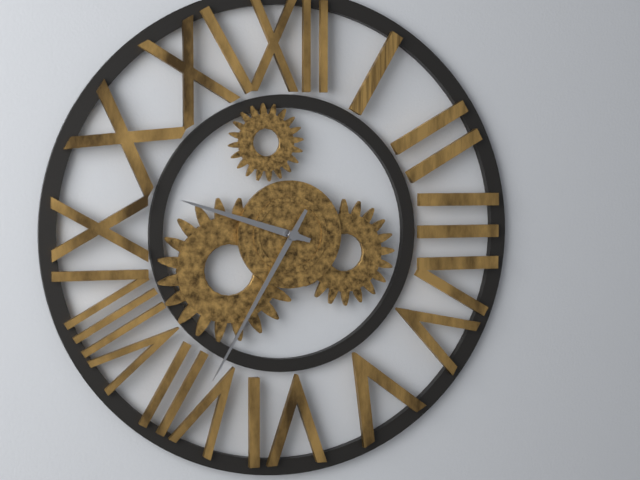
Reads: 9:35
